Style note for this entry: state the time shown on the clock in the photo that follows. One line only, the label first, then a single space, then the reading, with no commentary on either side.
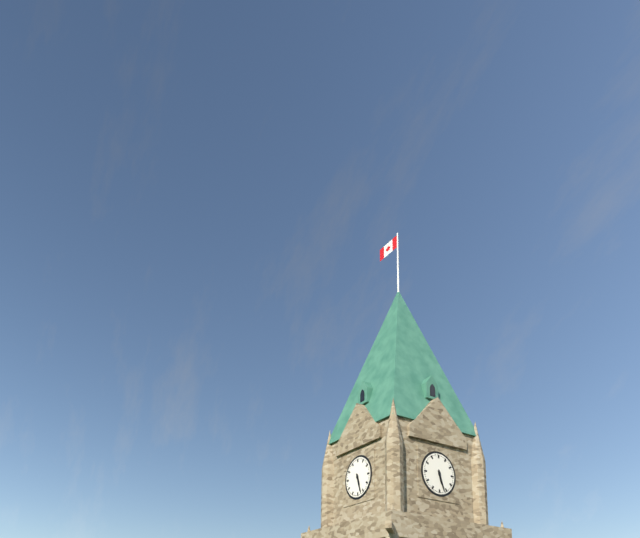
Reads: 5:27
